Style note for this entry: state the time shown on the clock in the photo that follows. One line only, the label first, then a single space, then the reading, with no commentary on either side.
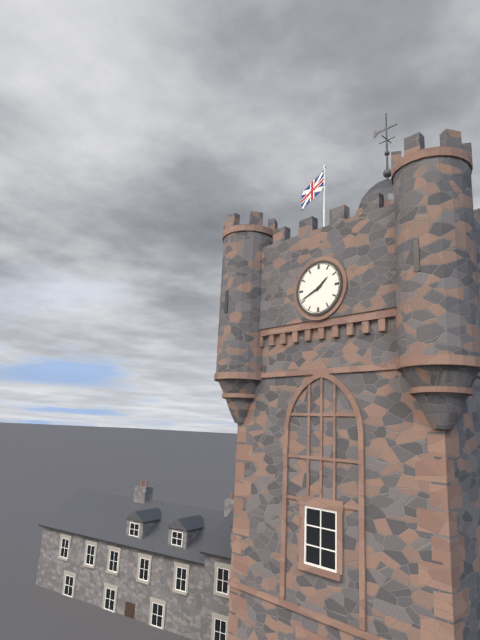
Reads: 1:41
